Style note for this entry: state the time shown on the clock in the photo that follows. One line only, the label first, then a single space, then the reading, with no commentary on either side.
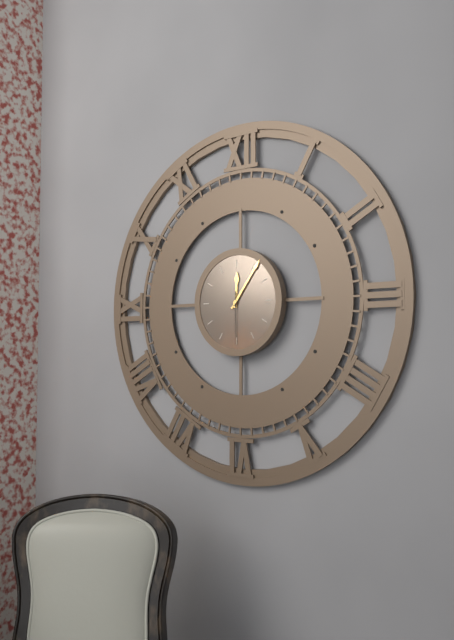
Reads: 12:06:30
